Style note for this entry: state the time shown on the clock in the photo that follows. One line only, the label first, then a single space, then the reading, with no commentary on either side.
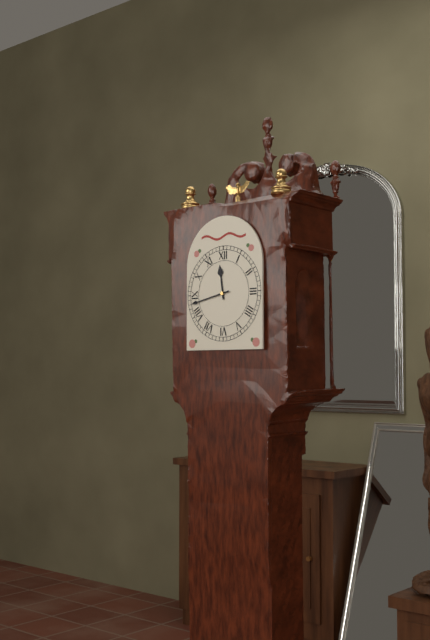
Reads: 11:43
